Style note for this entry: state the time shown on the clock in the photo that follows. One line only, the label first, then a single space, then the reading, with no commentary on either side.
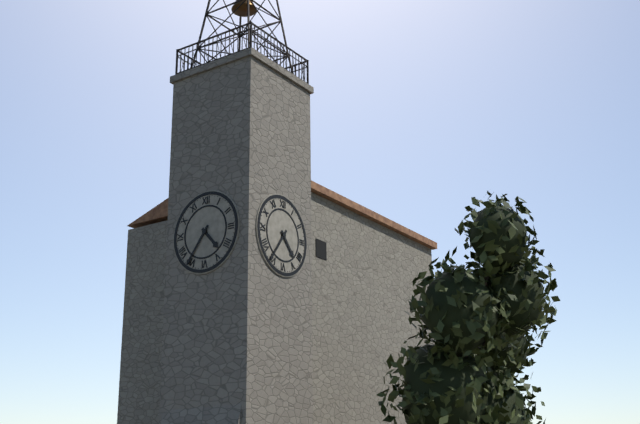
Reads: 4:36
